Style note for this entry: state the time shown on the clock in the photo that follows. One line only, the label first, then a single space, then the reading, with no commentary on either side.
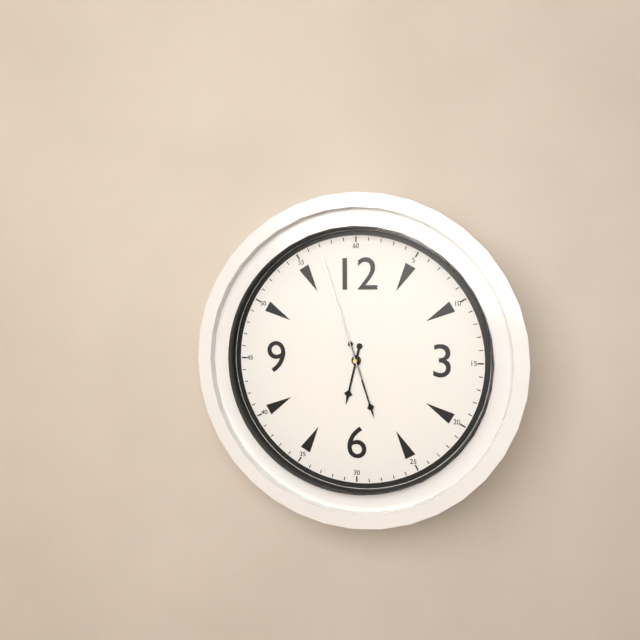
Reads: 6:27:57
